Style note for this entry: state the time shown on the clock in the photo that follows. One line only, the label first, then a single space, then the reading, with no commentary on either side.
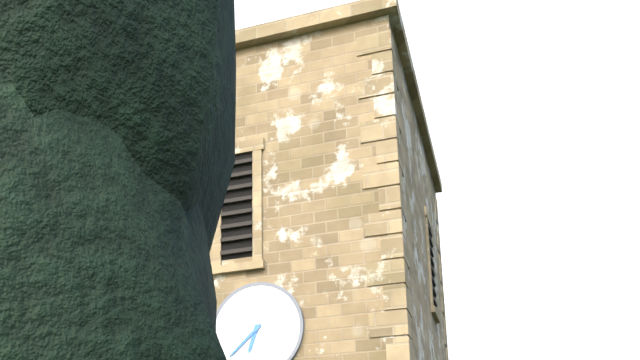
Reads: 6:38
